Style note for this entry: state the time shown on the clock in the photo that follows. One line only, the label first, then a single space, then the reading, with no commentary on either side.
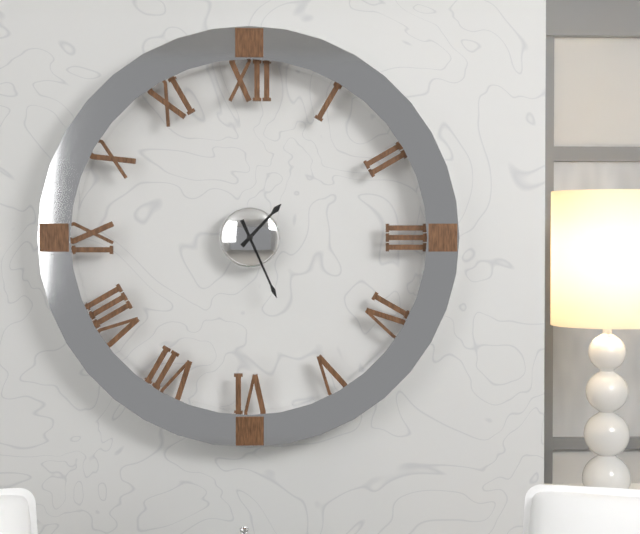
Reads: 1:26
